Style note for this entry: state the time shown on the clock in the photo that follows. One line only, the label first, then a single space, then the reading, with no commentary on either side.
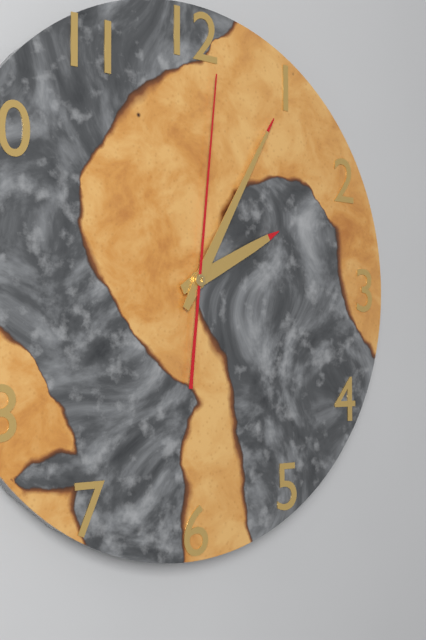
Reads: 2:05:01
